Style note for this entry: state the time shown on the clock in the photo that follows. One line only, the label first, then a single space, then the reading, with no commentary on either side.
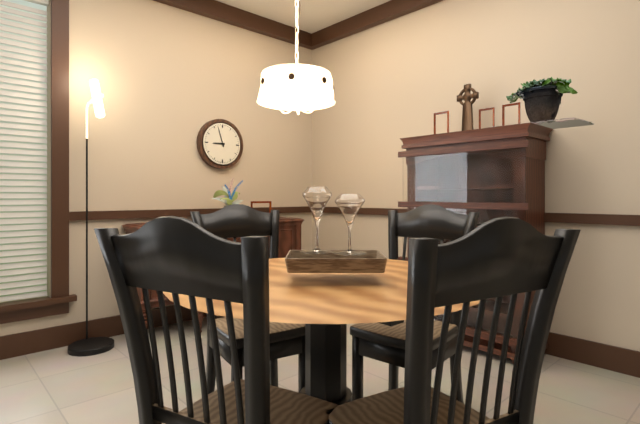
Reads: 8:57
